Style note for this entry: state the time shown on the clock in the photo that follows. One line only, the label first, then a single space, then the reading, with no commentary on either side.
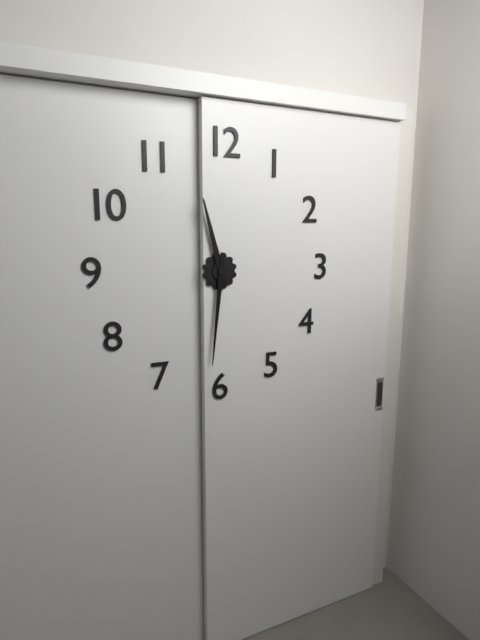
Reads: 11:31
